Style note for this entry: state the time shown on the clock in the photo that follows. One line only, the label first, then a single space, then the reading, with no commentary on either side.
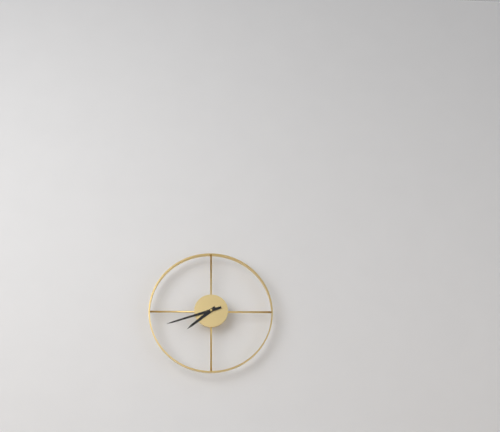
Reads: 7:42
